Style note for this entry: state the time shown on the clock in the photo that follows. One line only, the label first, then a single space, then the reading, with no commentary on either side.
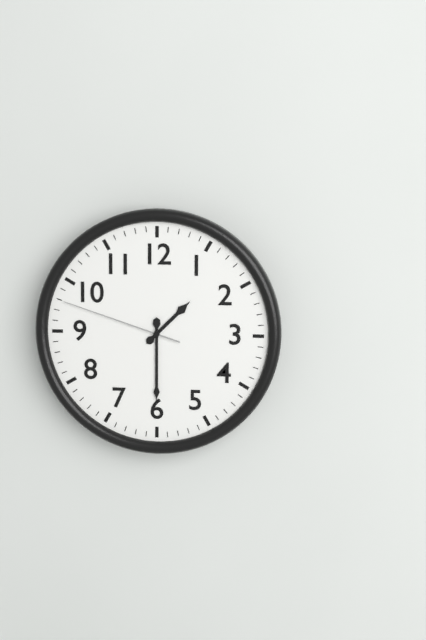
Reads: 1:30:48
